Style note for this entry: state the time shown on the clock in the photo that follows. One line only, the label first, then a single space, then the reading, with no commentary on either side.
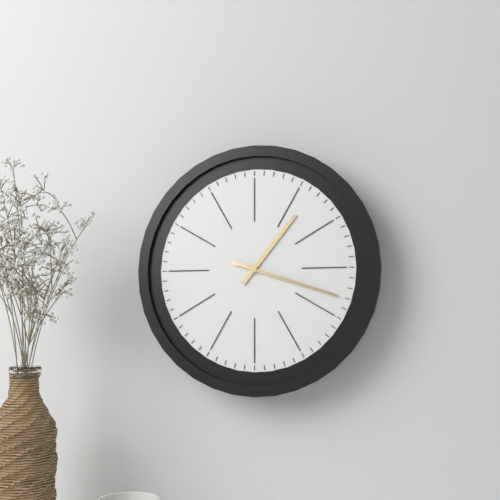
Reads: 1:18
